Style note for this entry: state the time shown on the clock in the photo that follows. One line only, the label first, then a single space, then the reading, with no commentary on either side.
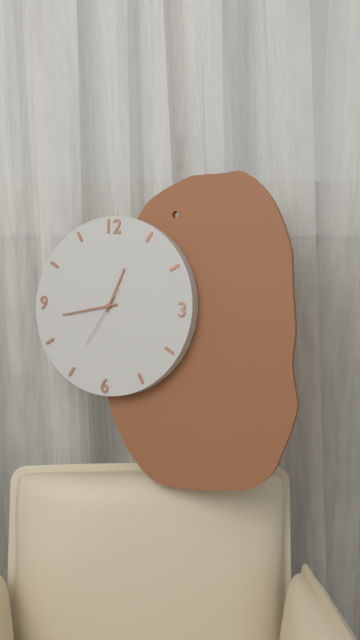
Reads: 12:43:35
